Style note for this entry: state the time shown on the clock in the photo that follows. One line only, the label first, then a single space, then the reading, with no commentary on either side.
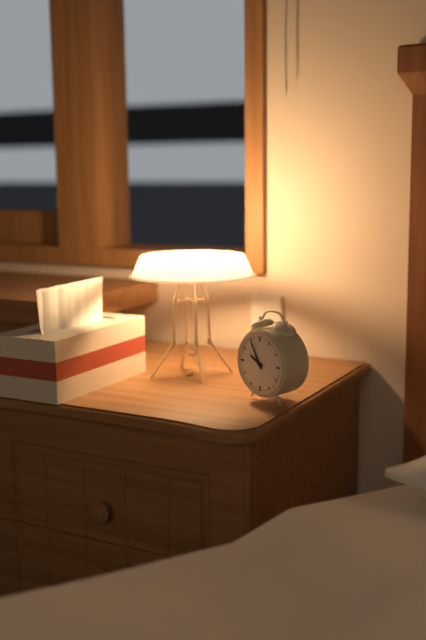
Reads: 9:55
